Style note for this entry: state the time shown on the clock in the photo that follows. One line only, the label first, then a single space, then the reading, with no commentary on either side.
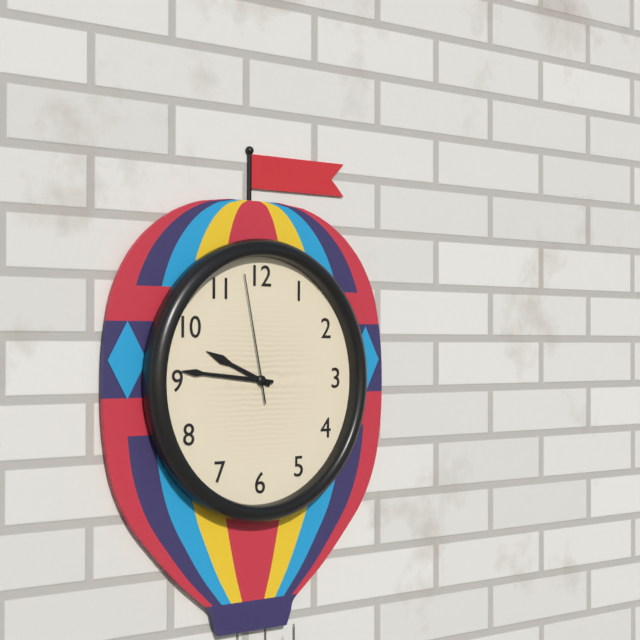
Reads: 9:46:58
